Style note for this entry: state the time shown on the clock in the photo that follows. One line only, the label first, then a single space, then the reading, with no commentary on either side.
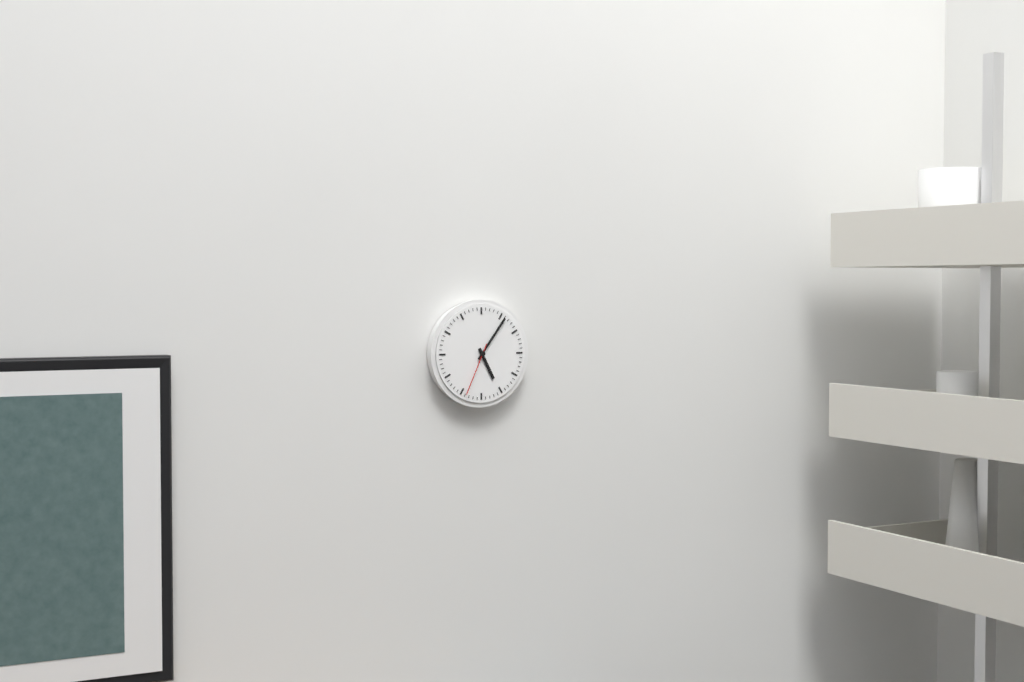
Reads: 5:06:34
